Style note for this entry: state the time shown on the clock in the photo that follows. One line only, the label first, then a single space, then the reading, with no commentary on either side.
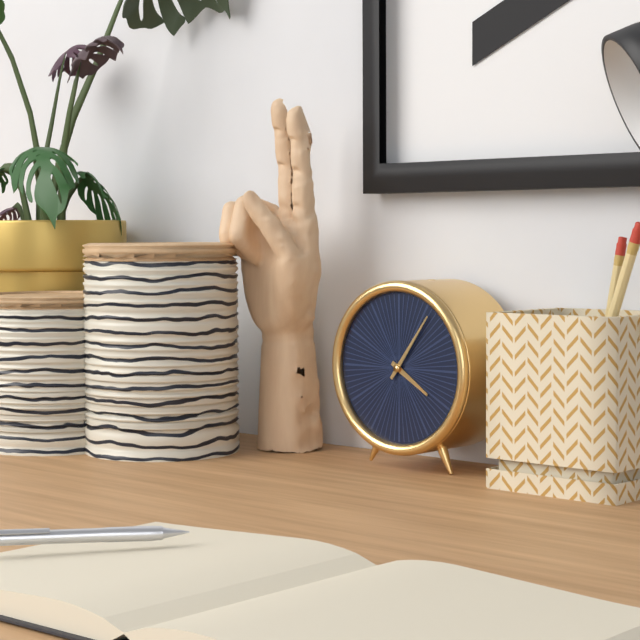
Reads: 4:06
